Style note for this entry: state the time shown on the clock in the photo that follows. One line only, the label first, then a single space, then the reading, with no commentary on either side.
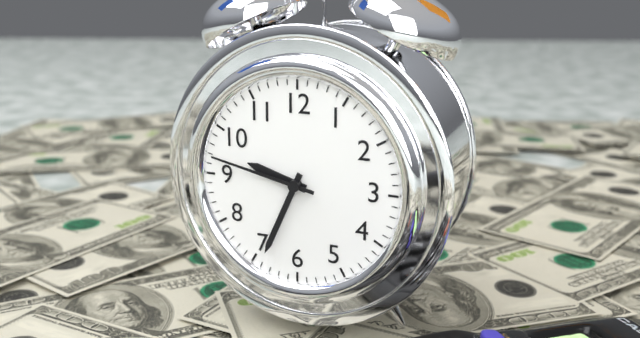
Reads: 9:34:47
